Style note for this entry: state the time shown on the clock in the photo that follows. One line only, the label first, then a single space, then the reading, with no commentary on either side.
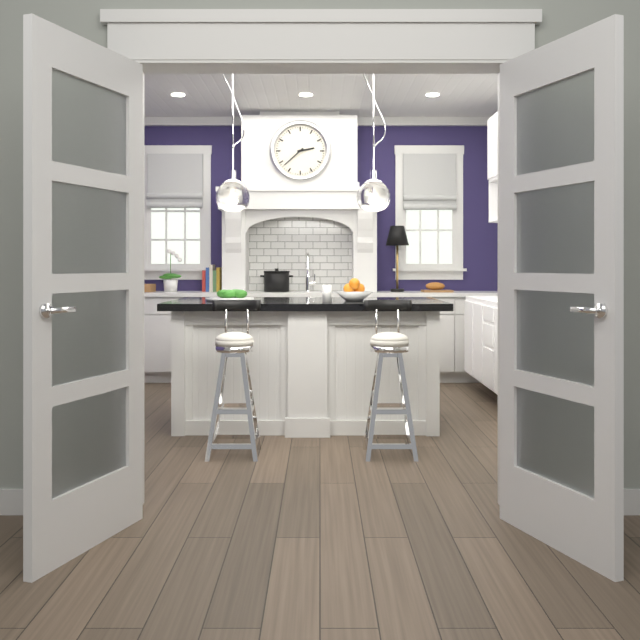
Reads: 2:38
